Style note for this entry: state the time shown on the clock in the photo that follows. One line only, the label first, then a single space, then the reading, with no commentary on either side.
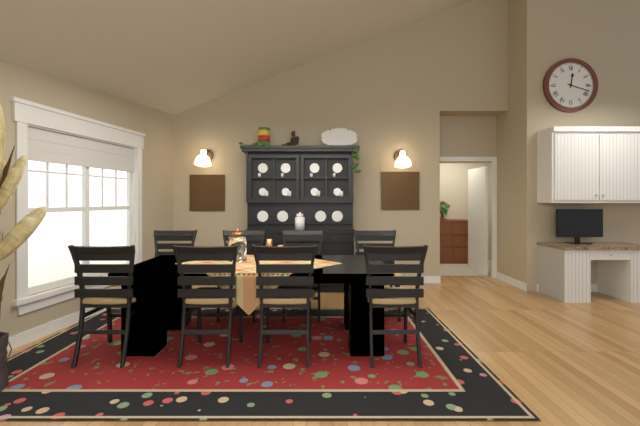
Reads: 12:18
